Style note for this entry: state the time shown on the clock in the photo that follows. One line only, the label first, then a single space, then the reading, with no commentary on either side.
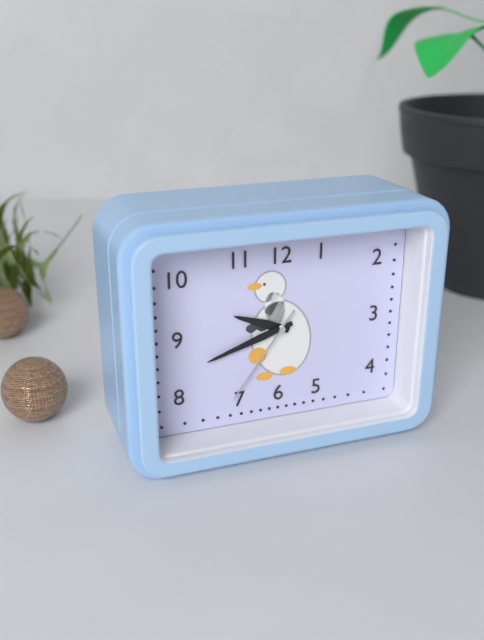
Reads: 9:42:36
